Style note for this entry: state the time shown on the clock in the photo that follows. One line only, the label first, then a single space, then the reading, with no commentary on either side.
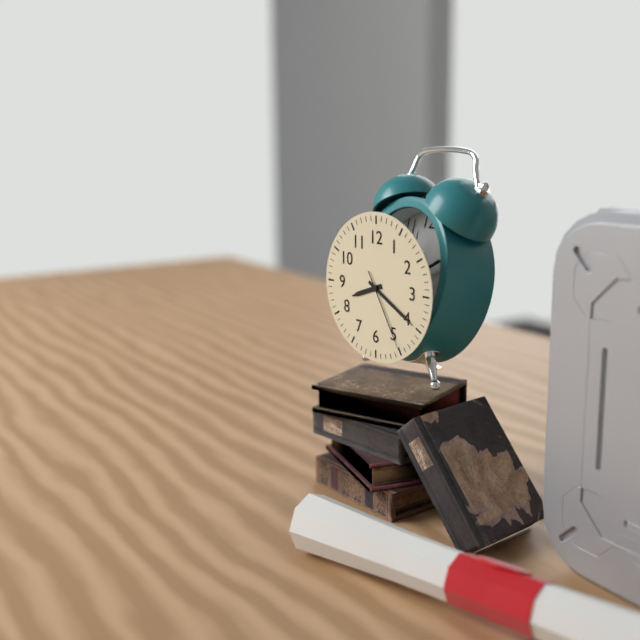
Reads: 8:20:25
